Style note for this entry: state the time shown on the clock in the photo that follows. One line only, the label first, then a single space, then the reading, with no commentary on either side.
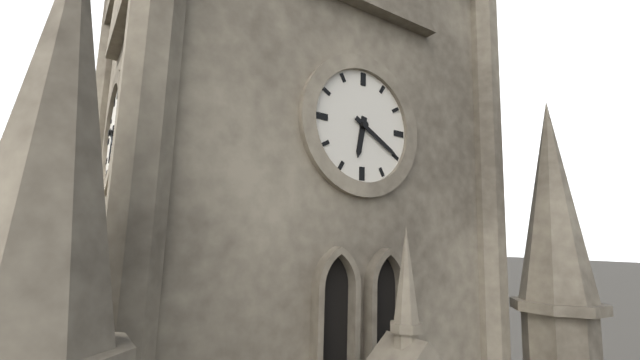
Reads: 6:20
